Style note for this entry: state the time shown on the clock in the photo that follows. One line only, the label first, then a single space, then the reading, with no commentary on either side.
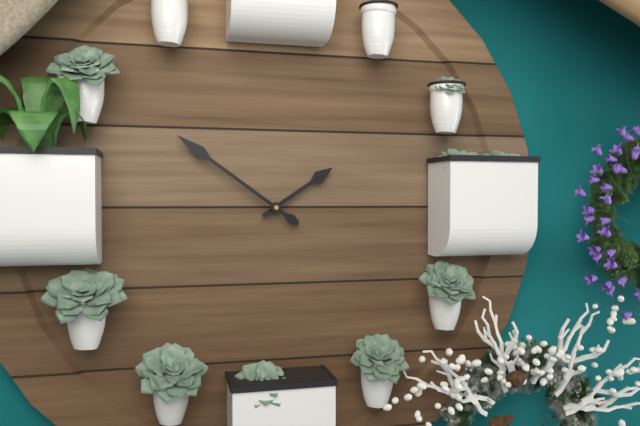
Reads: 1:51
